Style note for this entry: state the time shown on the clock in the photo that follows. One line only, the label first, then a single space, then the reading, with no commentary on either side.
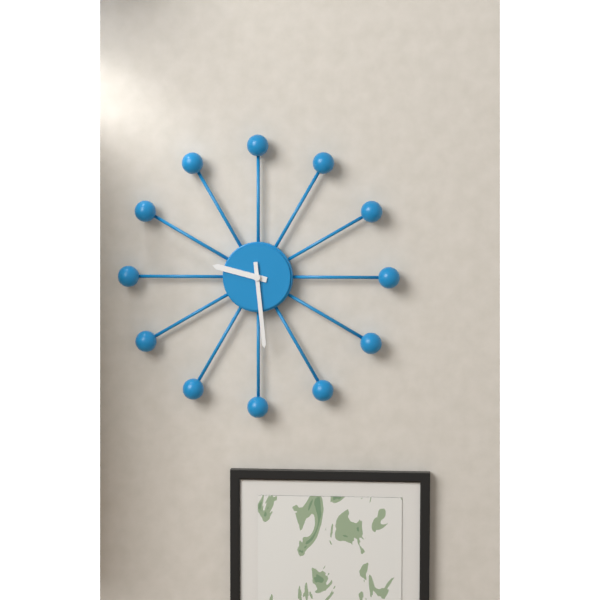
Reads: 9:29
